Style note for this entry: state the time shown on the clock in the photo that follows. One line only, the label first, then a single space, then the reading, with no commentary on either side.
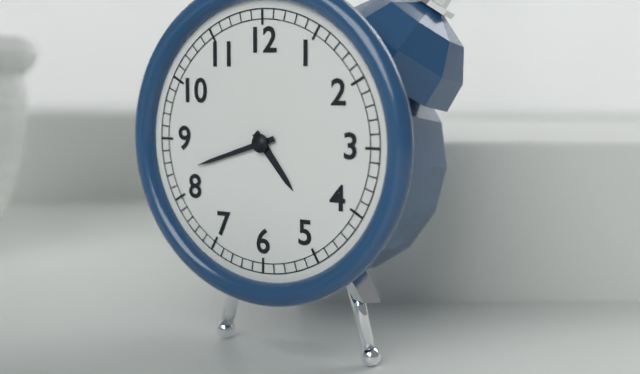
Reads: 4:42
